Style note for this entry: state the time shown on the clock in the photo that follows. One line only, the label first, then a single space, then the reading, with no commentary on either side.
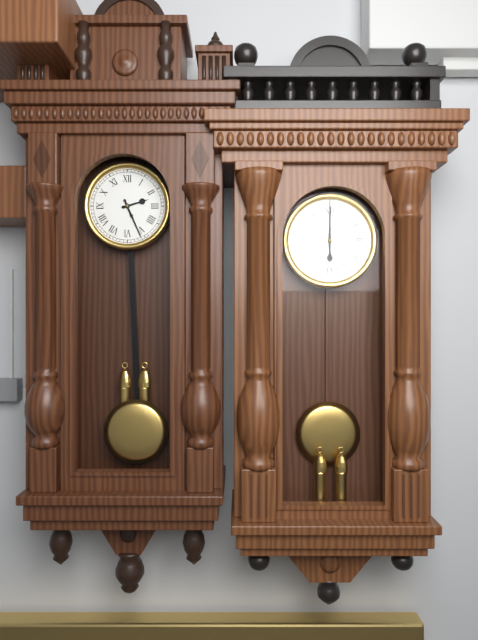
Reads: 2:26
